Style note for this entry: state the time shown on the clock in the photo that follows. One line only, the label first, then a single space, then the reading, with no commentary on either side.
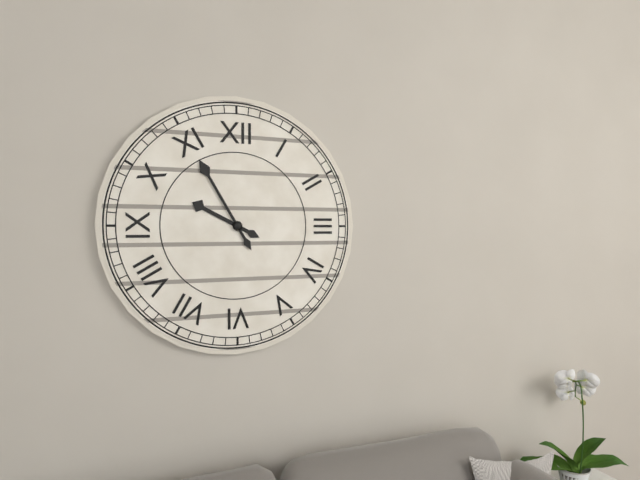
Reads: 9:55
